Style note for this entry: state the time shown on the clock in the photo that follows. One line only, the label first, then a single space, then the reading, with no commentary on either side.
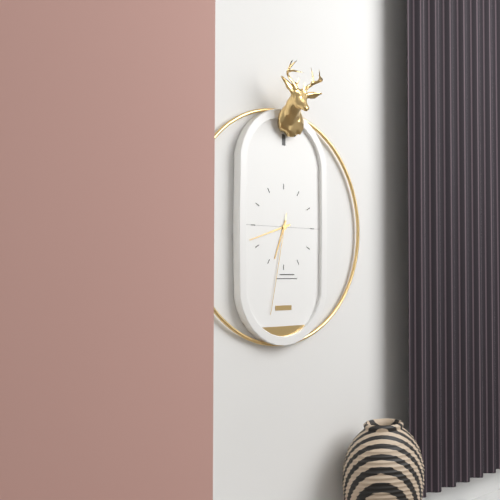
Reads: 6:42:32
